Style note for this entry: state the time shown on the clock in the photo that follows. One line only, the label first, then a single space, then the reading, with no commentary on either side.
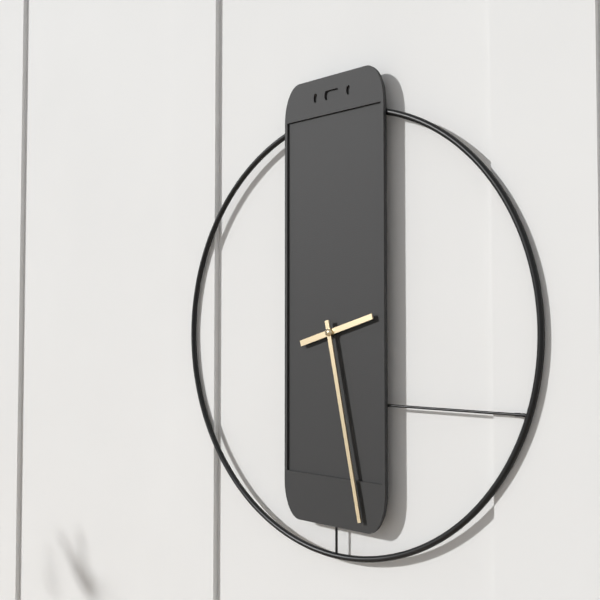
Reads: 2:28
